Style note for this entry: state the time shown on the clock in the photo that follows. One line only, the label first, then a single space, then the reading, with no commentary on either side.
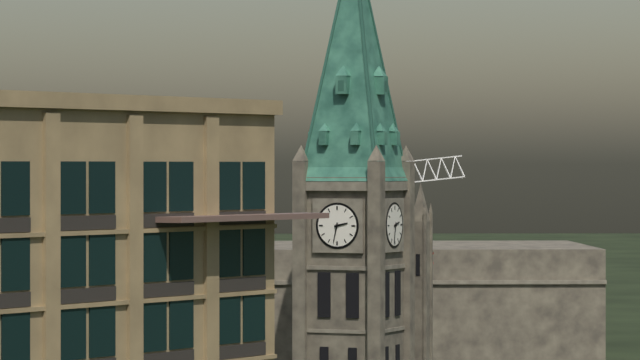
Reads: 2:32
